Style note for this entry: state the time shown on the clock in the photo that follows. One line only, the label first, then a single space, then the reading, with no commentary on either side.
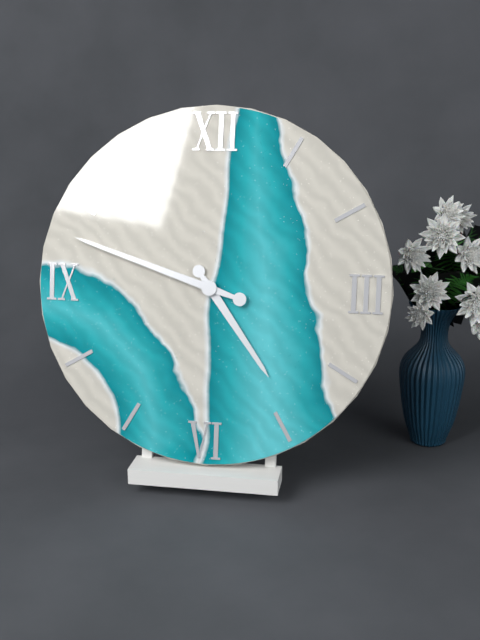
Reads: 4:48
